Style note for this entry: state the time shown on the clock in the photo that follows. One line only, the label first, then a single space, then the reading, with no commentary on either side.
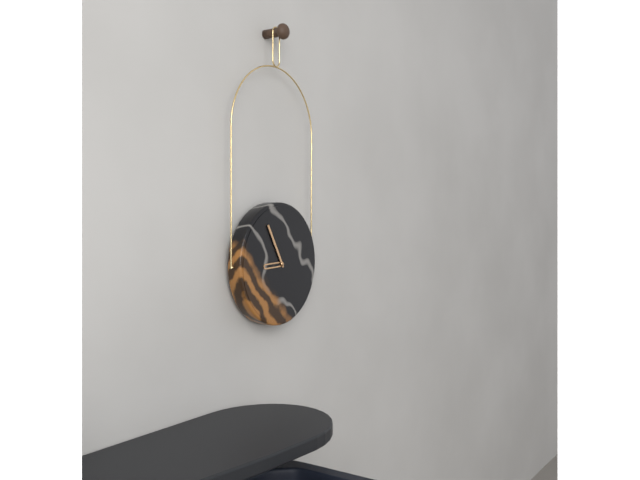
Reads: 8:55
